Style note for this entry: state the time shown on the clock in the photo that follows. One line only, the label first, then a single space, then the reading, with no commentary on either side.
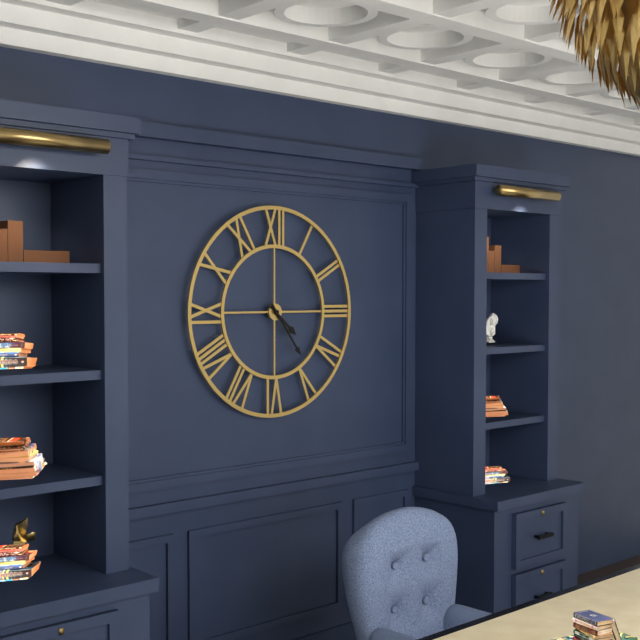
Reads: 4:24
